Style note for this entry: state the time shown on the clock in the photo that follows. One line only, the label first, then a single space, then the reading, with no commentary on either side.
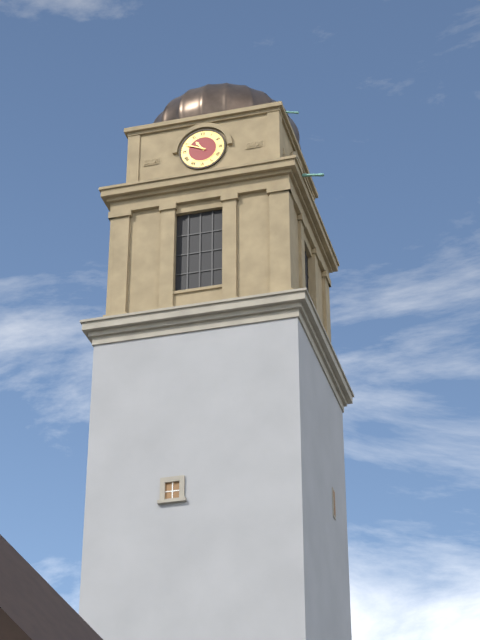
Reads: 10:49
